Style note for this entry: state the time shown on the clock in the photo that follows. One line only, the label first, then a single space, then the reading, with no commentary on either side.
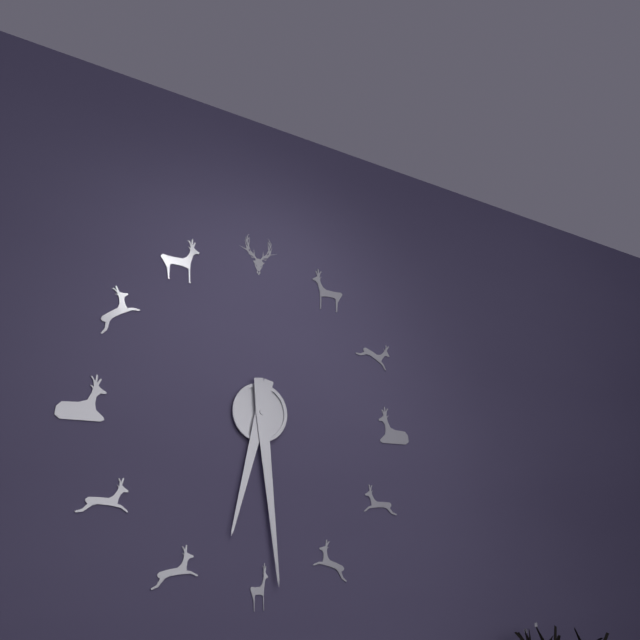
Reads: 6:29
